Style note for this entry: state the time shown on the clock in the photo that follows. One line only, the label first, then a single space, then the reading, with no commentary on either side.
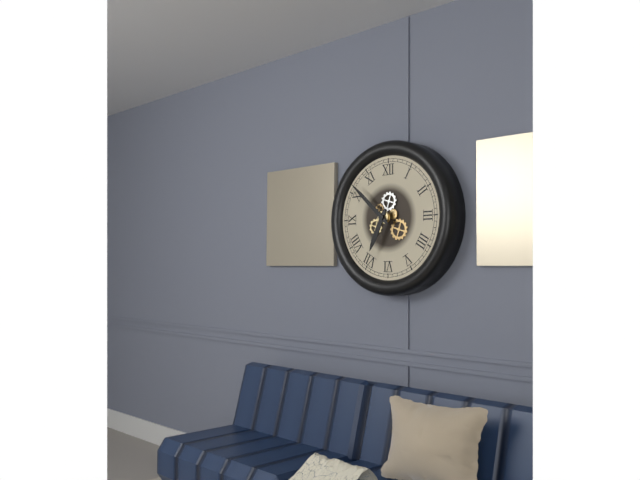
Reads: 6:52
